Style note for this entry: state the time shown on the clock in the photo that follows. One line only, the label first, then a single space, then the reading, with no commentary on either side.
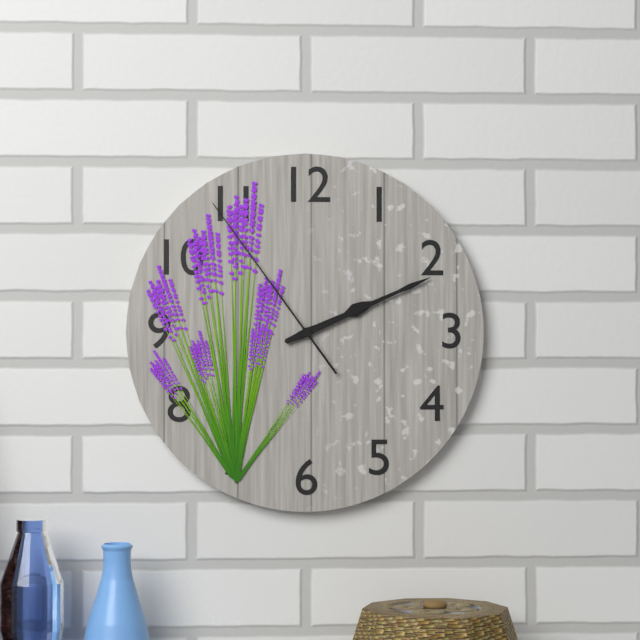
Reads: 2:11:54
